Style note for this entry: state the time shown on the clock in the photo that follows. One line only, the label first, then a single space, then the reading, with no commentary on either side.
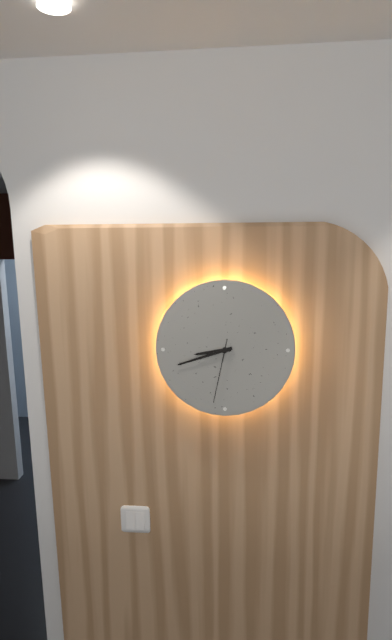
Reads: 8:42:32
